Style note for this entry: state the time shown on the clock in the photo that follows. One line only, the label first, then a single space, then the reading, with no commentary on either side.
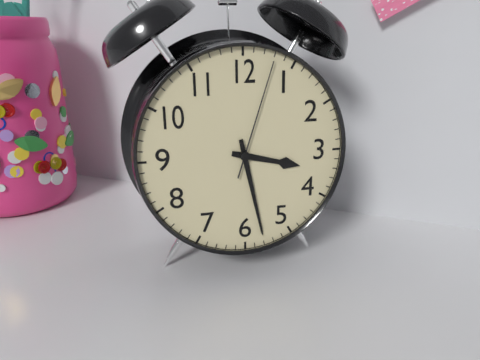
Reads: 3:28:03
